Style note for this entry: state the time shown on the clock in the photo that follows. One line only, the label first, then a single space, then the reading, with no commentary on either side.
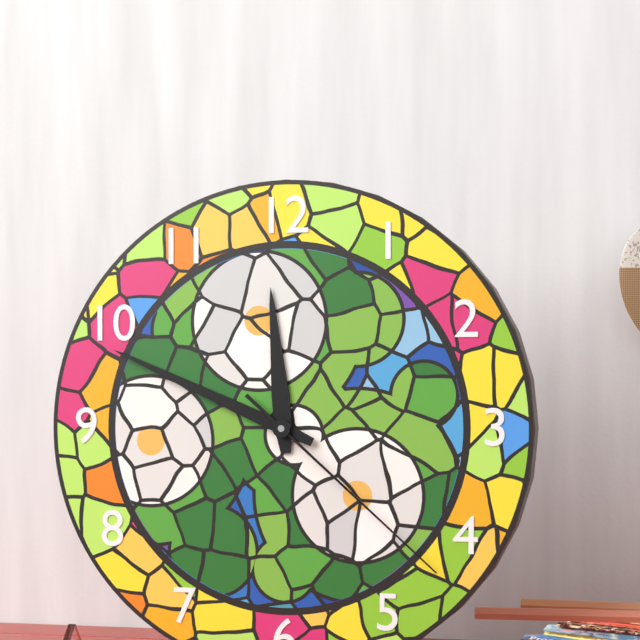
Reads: 11:49:22
